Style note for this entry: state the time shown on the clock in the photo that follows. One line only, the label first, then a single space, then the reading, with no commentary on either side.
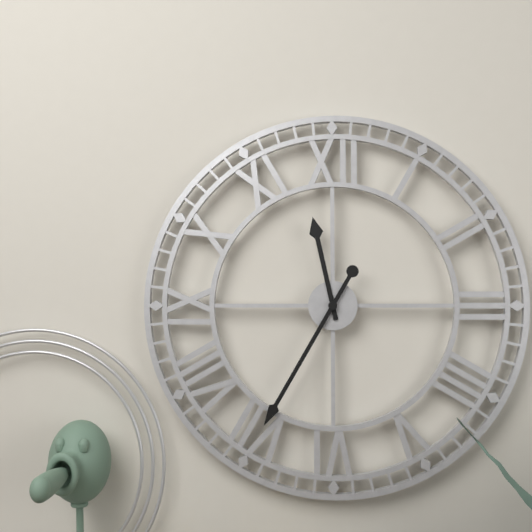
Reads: 11:35
